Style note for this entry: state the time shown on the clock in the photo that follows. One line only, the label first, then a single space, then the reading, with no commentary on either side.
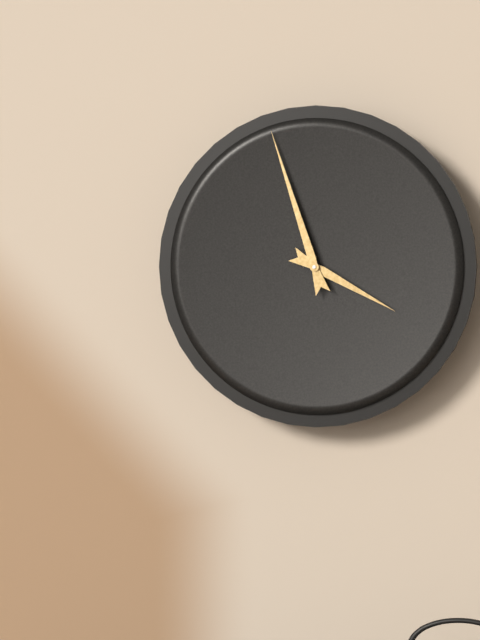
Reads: 3:57
